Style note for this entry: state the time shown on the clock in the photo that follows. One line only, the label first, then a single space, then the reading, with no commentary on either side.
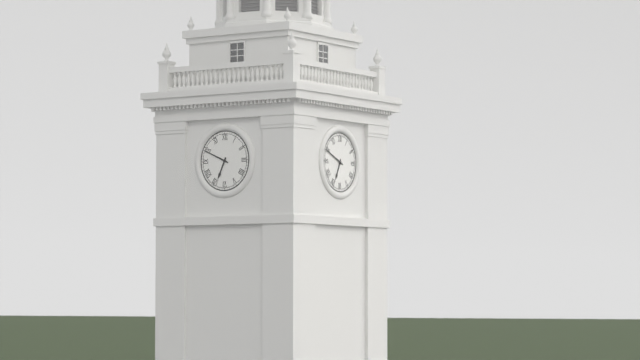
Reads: 6:49
